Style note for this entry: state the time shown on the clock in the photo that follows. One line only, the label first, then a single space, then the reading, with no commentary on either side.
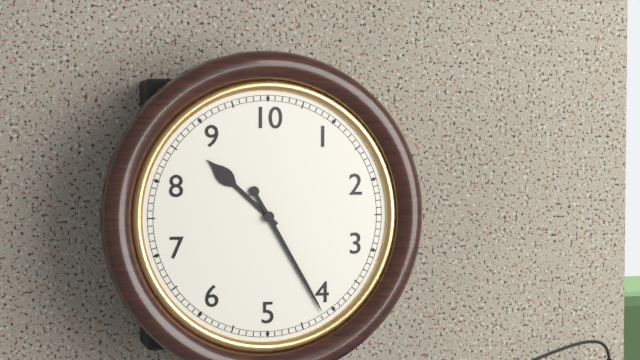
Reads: 10:25
